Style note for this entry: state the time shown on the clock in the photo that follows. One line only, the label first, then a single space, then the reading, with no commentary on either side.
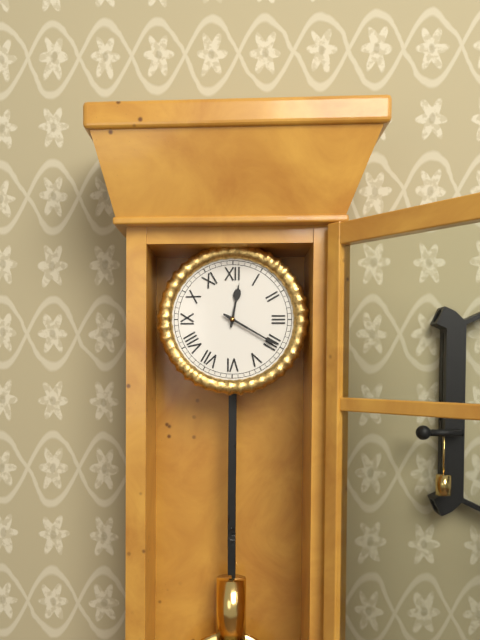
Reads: 12:20
